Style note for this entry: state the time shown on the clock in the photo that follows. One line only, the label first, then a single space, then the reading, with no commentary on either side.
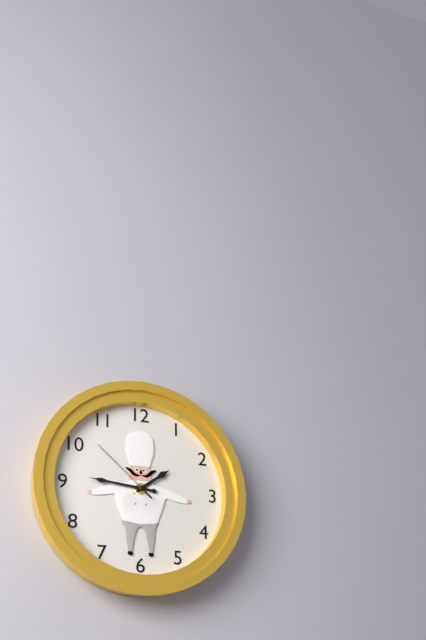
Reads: 1:46:52
